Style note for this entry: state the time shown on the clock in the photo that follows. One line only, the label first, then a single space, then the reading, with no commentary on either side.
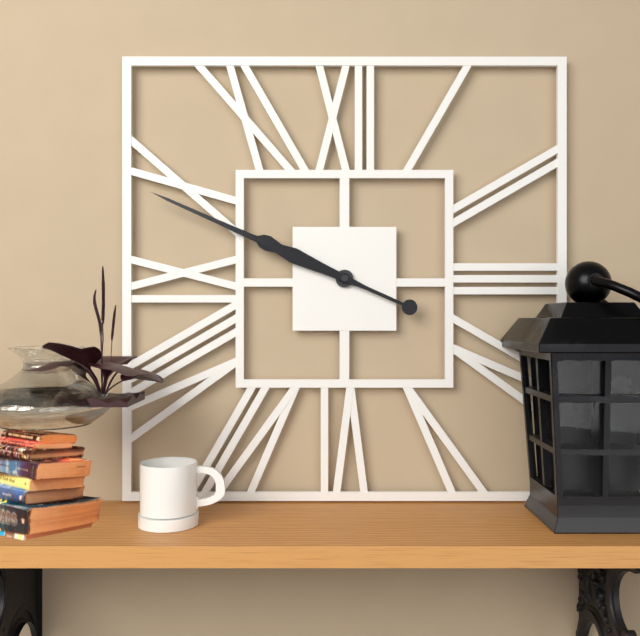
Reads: 9:49
